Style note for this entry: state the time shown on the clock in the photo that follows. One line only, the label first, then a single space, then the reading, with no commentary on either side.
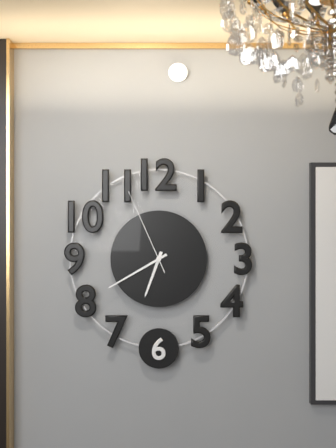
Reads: 6:40:56
